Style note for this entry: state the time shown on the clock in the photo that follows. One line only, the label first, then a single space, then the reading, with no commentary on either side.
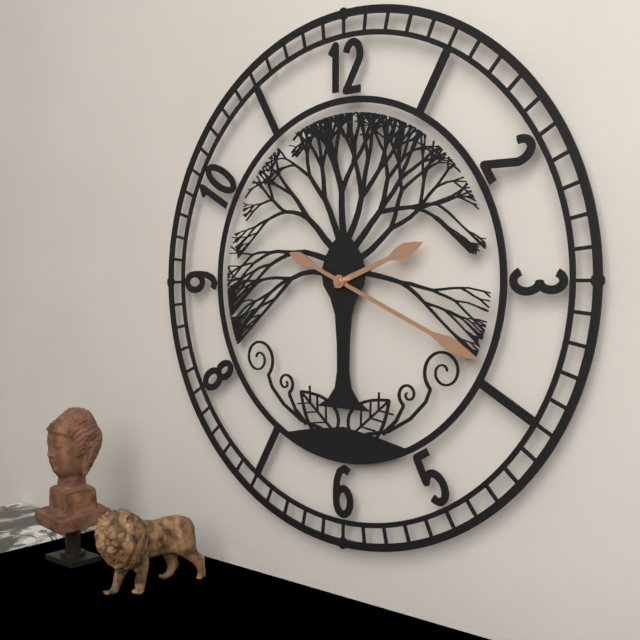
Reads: 2:19
